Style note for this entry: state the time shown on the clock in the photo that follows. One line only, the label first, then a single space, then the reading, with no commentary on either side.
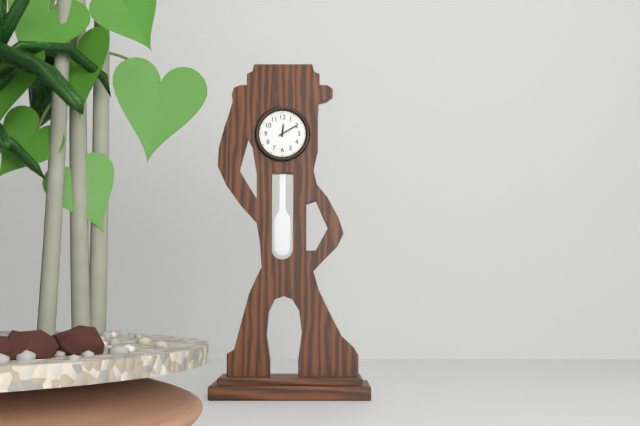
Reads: 12:10
